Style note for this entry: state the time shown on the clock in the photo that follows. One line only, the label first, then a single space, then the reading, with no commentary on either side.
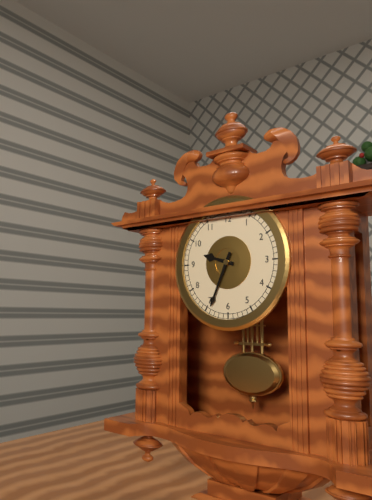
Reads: 9:34
